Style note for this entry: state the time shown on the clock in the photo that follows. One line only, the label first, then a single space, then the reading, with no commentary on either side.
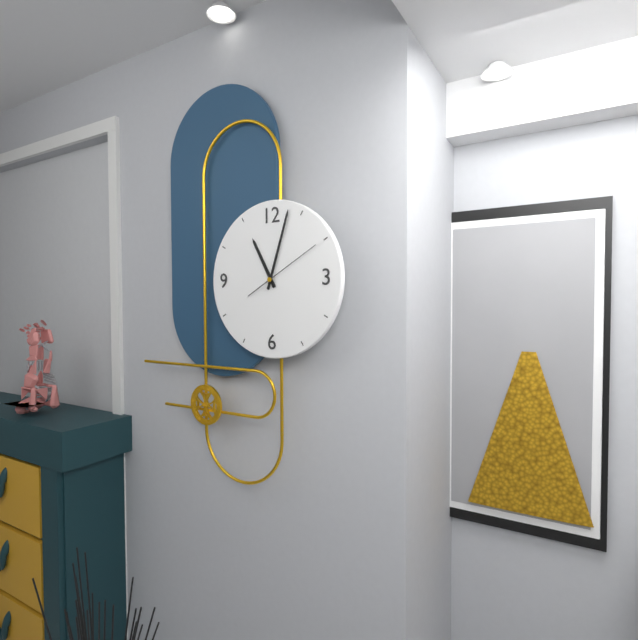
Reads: 11:03:10
